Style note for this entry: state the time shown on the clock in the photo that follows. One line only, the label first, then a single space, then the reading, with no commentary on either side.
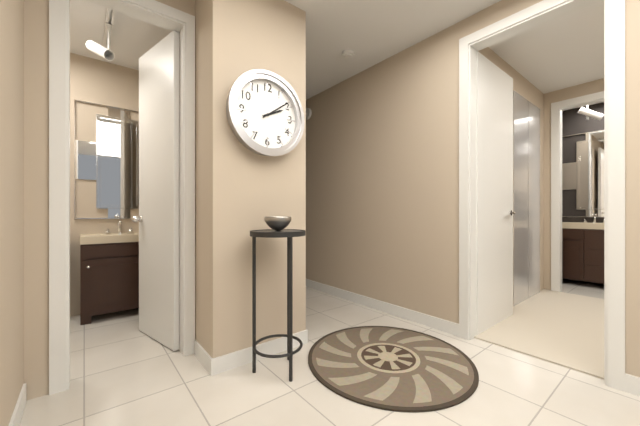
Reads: 2:09
